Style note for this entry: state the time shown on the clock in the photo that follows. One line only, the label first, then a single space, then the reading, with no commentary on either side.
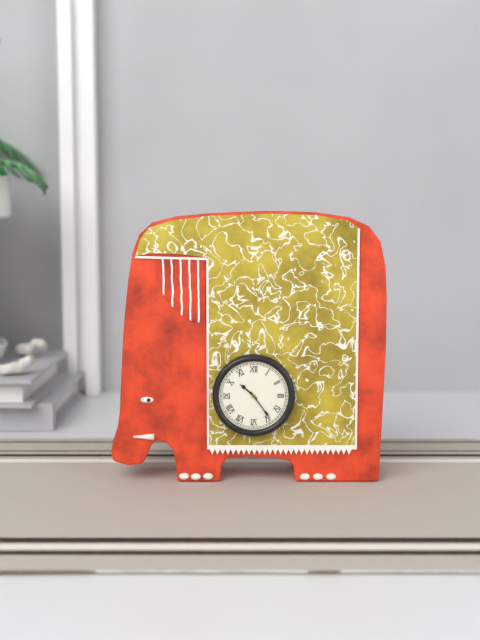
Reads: 10:24
